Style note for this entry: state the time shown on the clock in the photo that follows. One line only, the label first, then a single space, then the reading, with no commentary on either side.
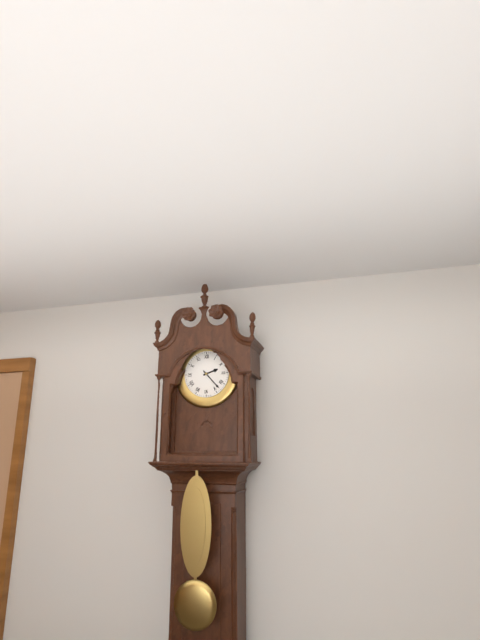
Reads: 2:23
